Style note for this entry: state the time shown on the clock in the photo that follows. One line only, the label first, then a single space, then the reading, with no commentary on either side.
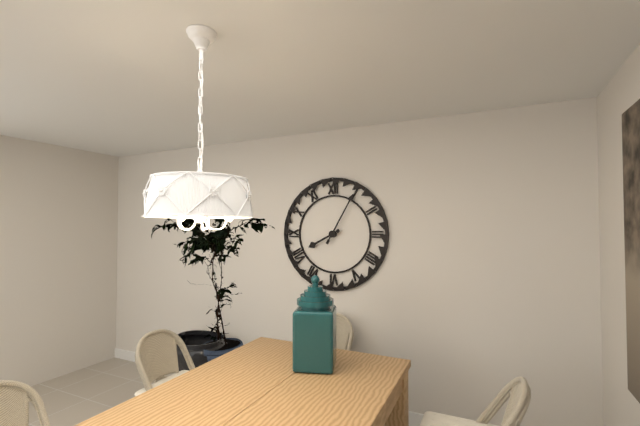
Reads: 8:05
